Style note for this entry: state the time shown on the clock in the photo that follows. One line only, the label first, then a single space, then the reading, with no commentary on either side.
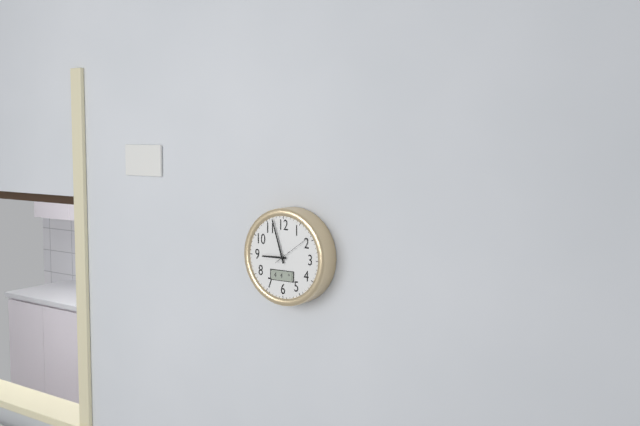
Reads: 8:57
